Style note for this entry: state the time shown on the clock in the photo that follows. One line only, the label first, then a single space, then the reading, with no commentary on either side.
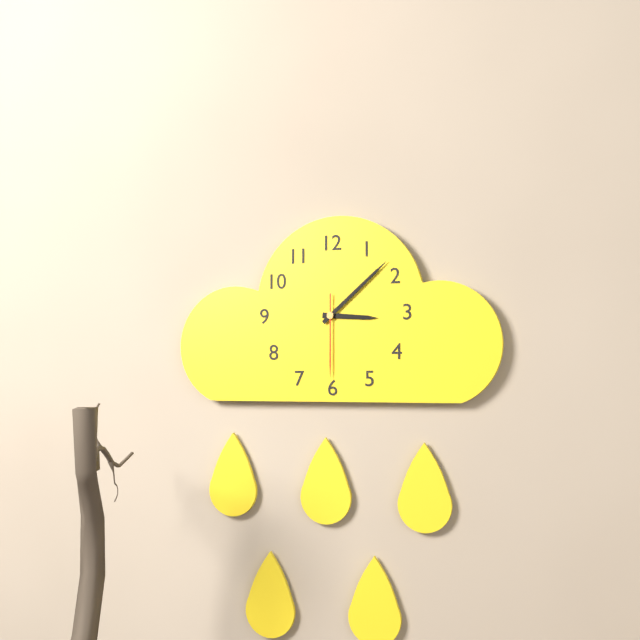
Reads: 3:08:30
